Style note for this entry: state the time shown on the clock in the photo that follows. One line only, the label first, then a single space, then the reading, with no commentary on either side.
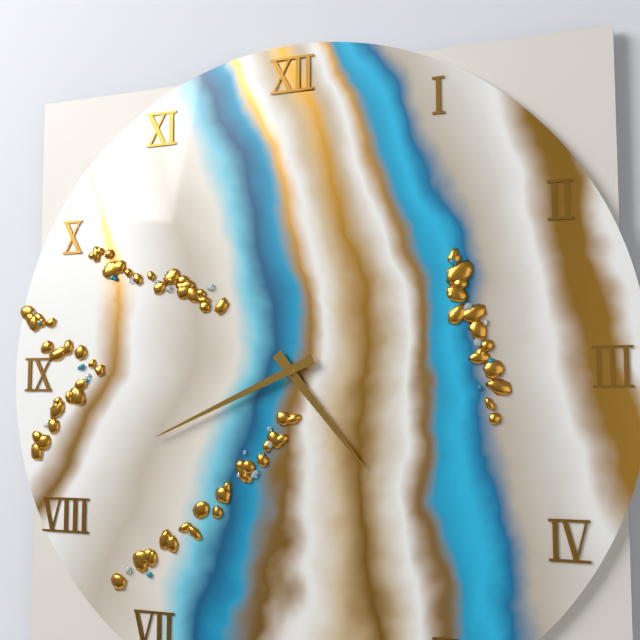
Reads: 4:41
